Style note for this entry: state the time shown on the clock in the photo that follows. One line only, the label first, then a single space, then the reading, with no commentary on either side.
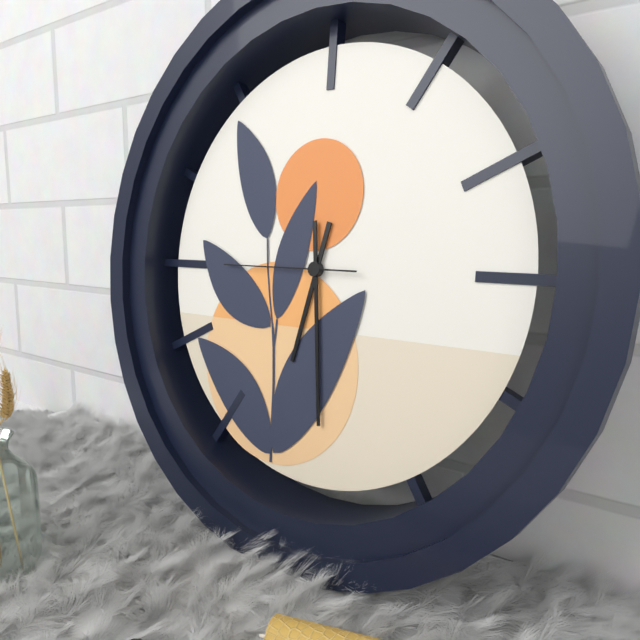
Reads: 6:29:45
